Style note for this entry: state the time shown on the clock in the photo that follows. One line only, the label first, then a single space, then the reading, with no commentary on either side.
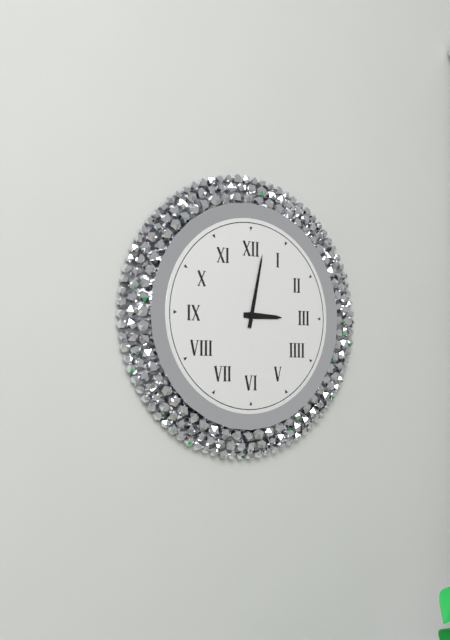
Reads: 3:02
